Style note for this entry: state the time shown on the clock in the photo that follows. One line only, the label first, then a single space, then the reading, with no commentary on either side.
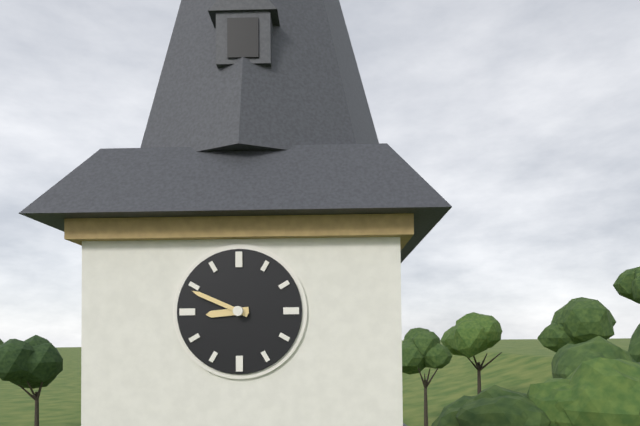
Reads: 8:49
